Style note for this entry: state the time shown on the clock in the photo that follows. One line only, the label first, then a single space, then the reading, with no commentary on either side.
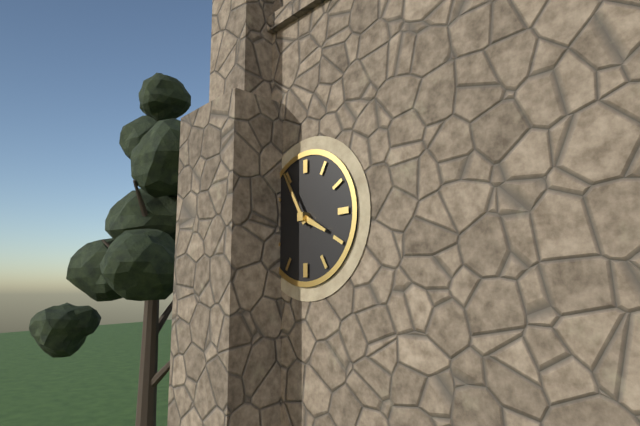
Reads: 3:55
